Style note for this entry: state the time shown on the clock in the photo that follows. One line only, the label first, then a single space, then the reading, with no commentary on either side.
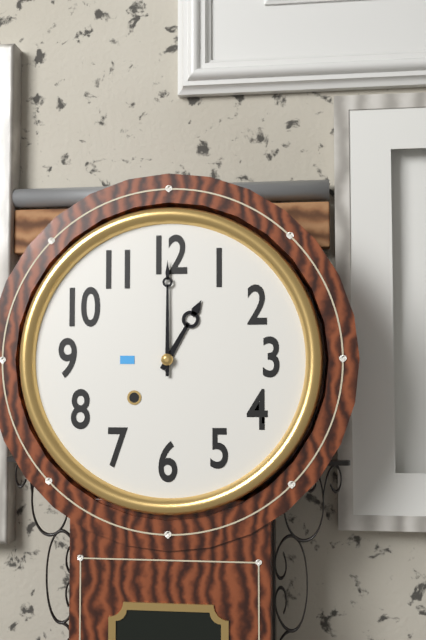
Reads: 1:00
